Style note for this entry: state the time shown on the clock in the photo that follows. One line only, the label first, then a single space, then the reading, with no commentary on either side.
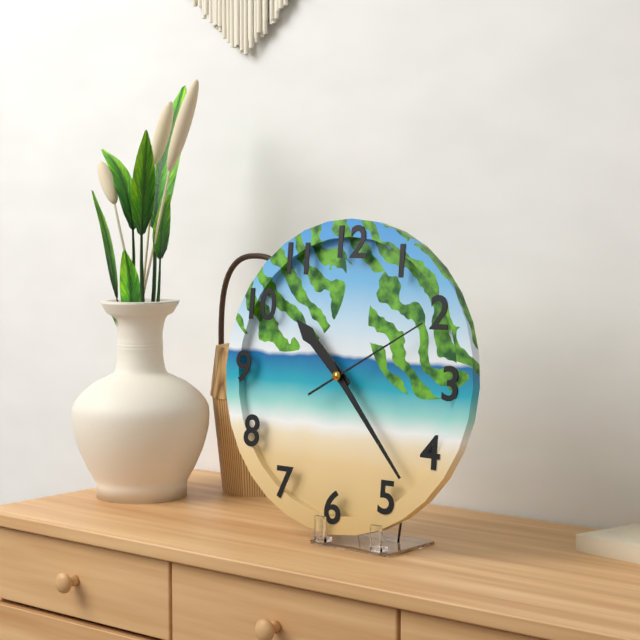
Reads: 10:23:10
